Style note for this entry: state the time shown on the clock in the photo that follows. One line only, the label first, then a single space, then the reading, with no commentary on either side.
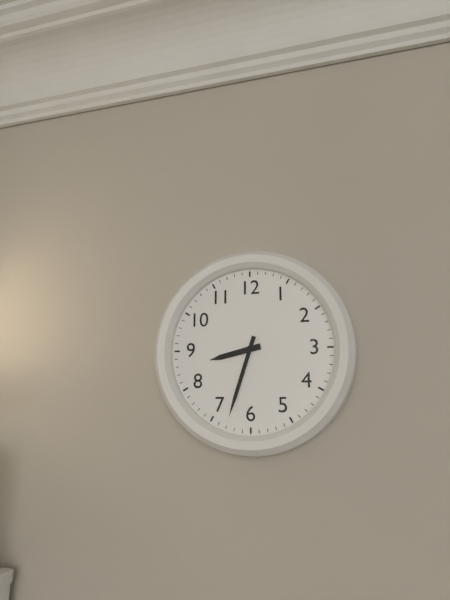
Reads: 8:33
